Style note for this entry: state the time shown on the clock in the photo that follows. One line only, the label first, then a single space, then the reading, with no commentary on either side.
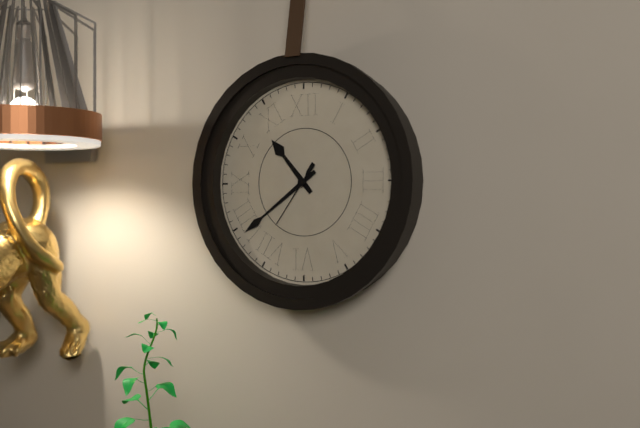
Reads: 10:39:36
